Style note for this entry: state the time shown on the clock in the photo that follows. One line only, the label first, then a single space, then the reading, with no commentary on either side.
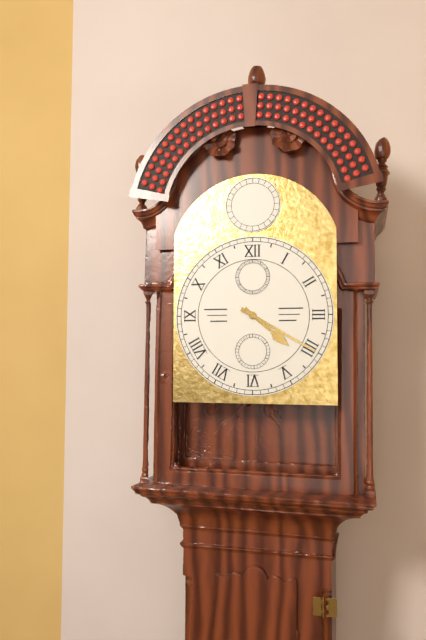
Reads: 4:20
